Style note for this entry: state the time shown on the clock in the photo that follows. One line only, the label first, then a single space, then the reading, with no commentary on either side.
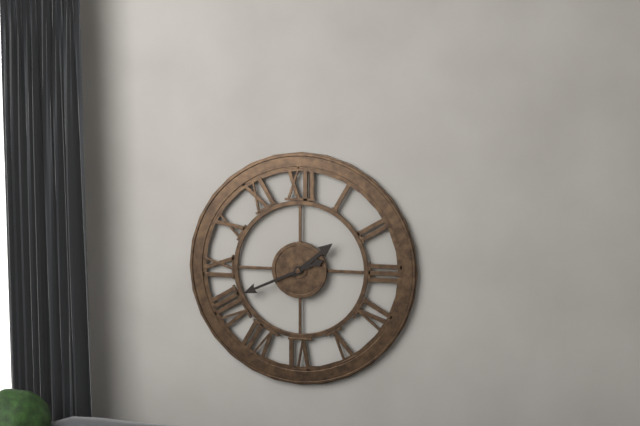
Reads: 1:41
